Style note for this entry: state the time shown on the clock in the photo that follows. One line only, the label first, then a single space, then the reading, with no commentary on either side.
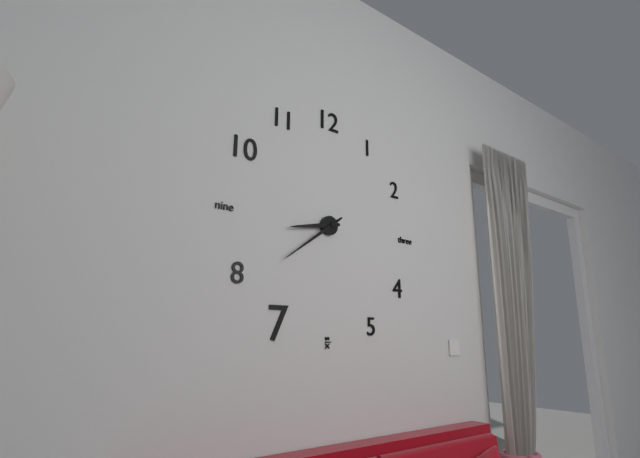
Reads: 8:39
